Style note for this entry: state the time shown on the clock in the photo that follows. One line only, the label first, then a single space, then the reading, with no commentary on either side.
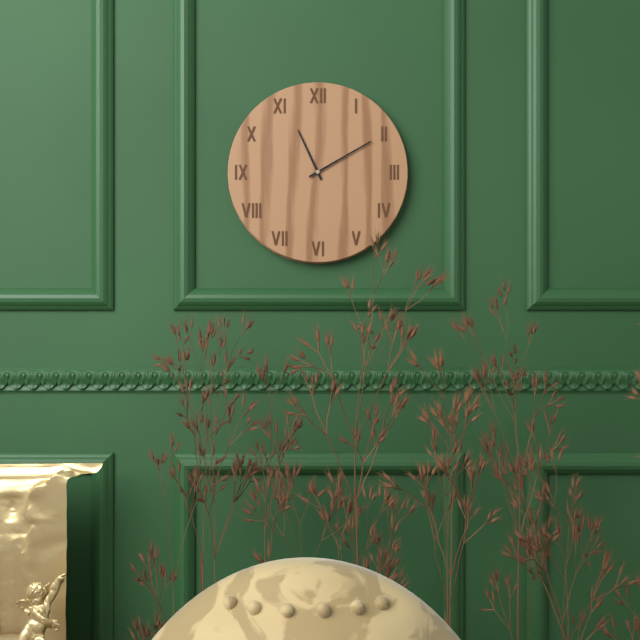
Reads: 11:10
